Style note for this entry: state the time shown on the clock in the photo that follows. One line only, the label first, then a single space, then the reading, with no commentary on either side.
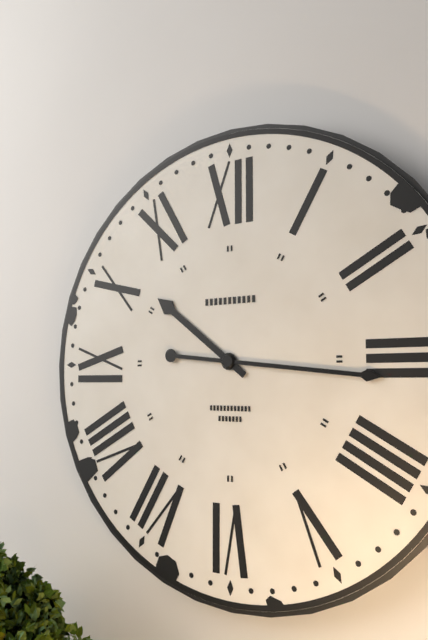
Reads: 10:16
